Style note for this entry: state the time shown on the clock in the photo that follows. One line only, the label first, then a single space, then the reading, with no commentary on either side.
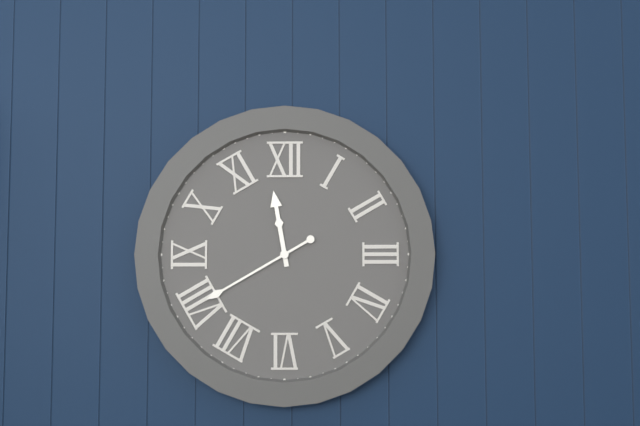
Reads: 11:40
